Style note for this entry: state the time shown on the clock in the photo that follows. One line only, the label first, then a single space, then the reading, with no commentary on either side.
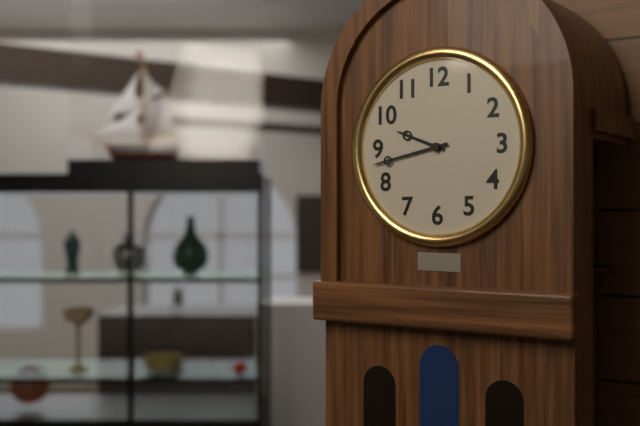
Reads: 9:43
